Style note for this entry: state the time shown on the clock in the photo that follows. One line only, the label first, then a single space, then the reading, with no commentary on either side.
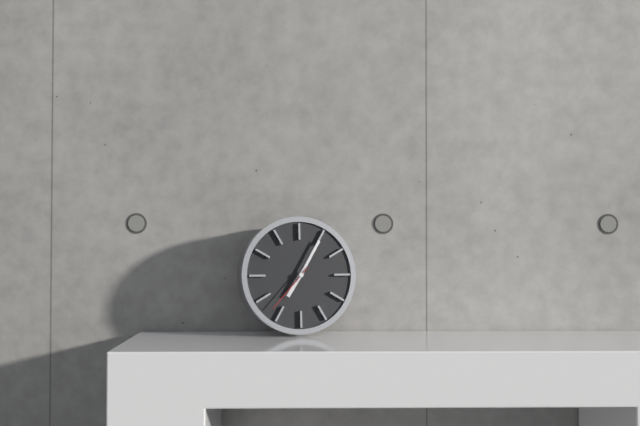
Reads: 7:05:37
